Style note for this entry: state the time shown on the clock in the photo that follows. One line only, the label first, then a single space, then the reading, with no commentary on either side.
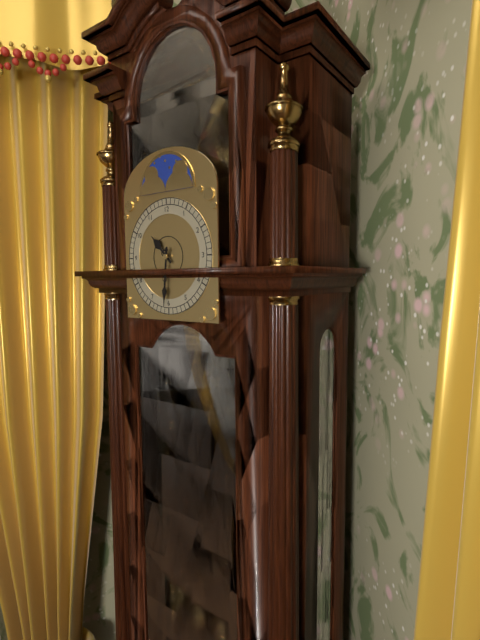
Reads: 10:31
